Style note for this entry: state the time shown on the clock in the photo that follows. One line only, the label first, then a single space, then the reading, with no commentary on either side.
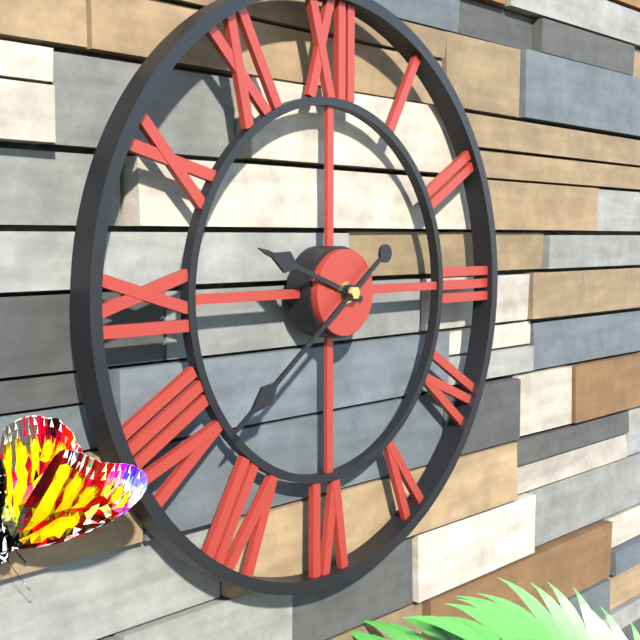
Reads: 9:39
